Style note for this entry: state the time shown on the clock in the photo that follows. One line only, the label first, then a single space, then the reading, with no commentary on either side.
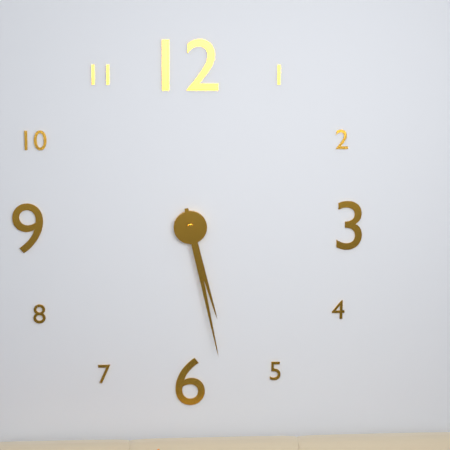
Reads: 5:28
